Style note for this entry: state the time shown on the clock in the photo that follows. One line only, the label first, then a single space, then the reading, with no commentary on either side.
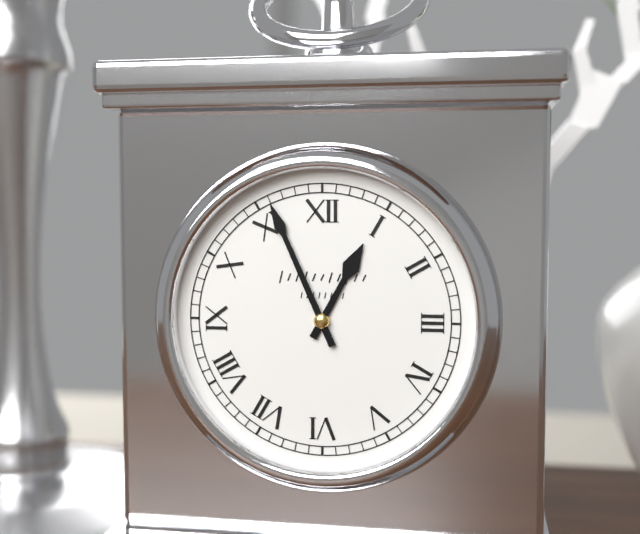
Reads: 12:56
